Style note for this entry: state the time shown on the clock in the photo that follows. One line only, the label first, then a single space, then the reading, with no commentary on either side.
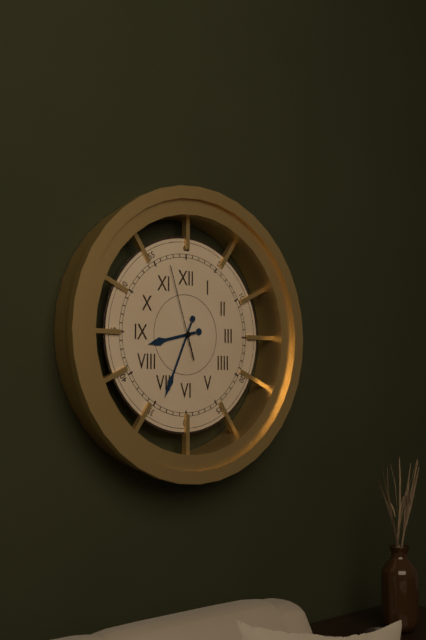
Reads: 8:34:57
